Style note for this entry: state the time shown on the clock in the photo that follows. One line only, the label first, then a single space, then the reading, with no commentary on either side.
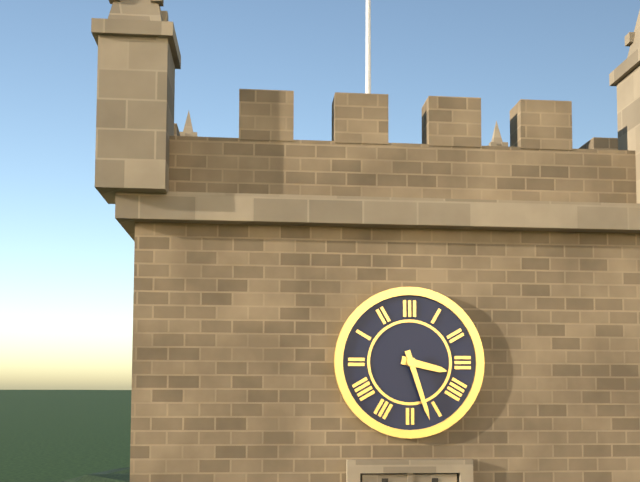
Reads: 3:27
